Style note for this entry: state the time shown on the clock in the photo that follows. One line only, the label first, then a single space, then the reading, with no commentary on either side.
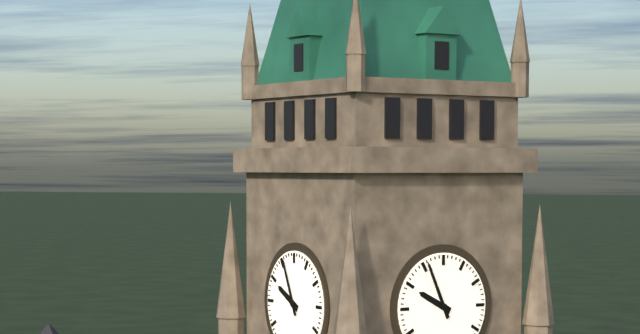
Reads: 9:56
